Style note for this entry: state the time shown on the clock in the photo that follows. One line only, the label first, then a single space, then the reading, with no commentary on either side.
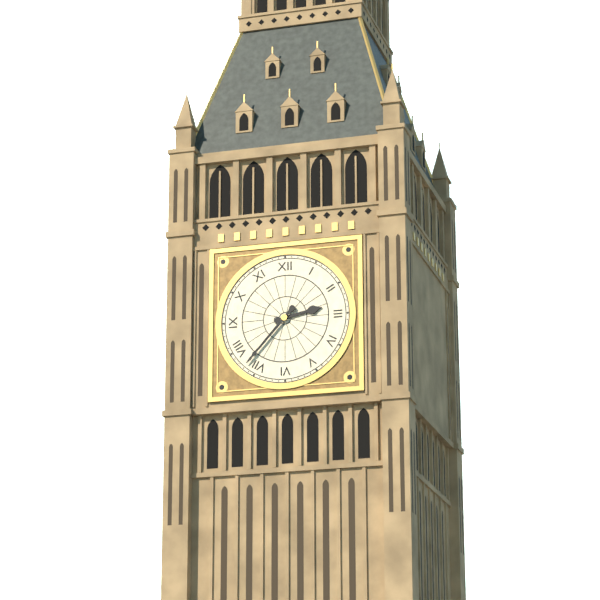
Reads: 2:37
